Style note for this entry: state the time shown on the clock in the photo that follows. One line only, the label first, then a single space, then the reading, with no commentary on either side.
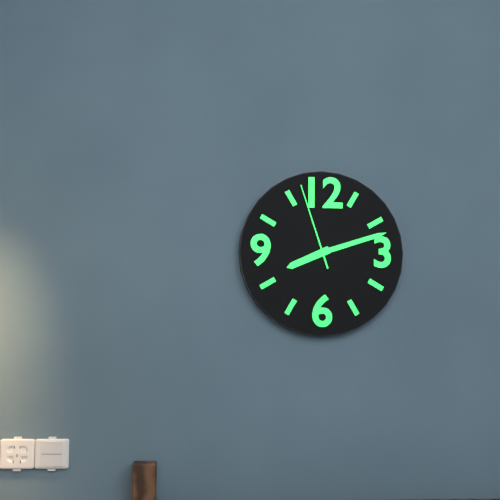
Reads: 8:12:57
